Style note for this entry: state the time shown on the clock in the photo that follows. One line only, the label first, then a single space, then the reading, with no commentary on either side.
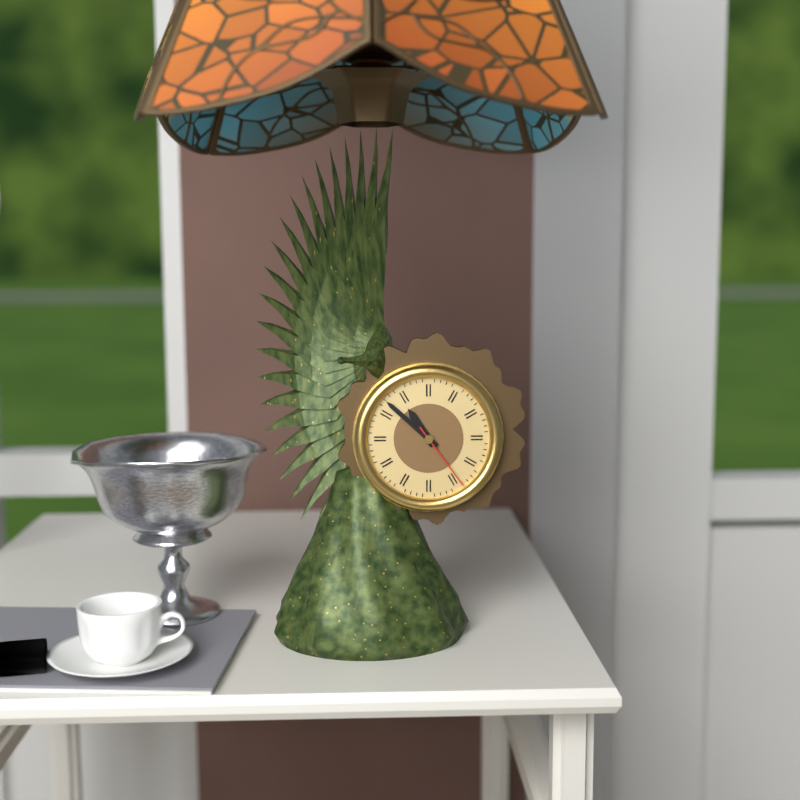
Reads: 10:52:24
